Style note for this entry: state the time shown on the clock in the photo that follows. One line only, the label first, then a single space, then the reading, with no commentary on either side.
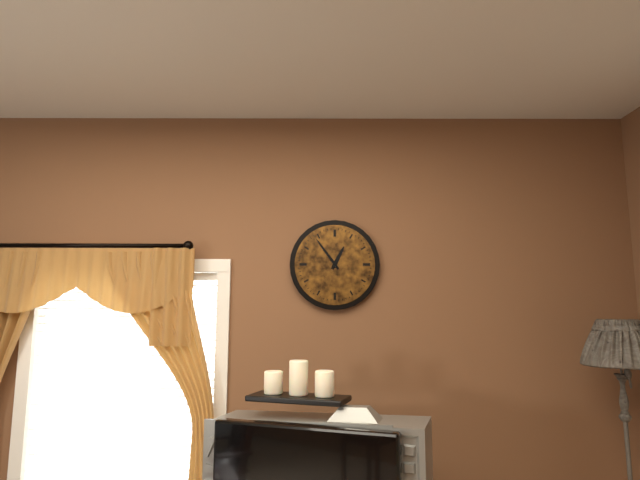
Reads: 12:54
